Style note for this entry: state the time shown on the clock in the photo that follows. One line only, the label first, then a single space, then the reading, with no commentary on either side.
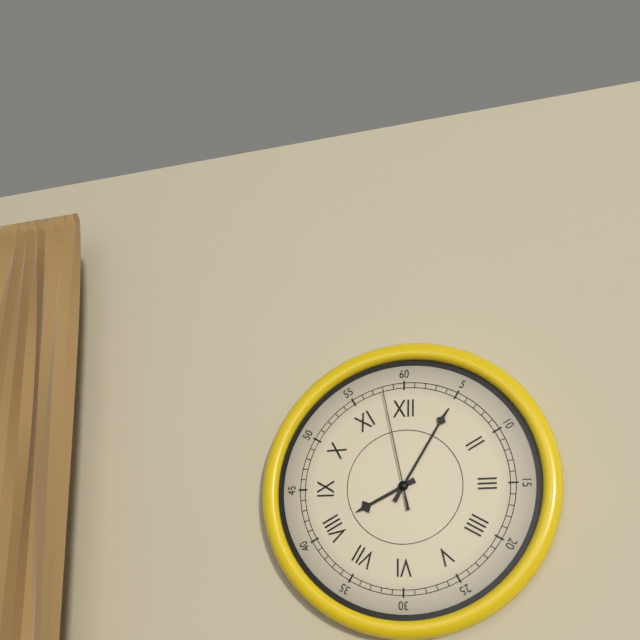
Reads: 8:05:58
